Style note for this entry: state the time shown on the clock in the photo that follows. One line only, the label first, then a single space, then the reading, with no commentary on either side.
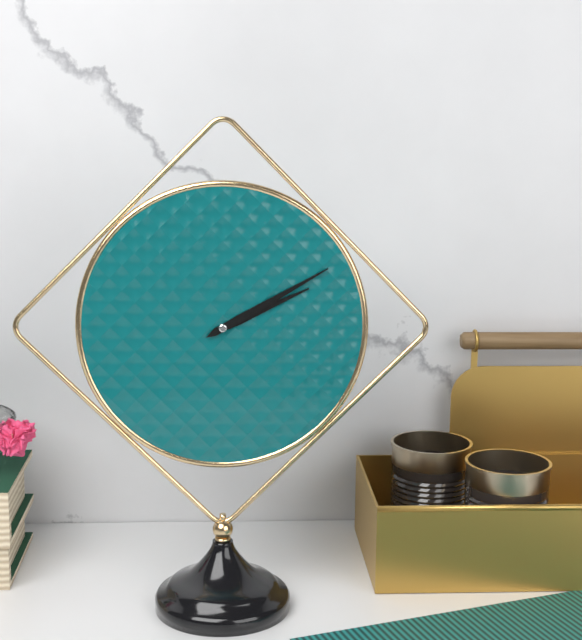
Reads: 2:10
